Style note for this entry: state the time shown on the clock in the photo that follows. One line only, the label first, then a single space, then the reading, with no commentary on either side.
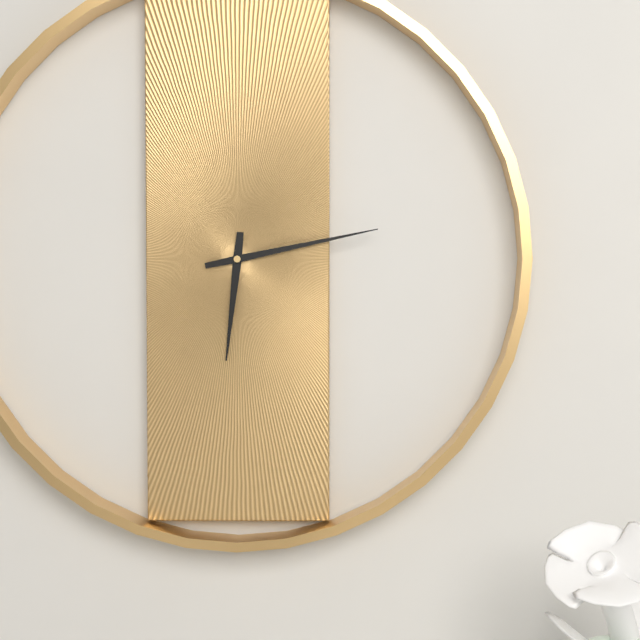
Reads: 6:13
